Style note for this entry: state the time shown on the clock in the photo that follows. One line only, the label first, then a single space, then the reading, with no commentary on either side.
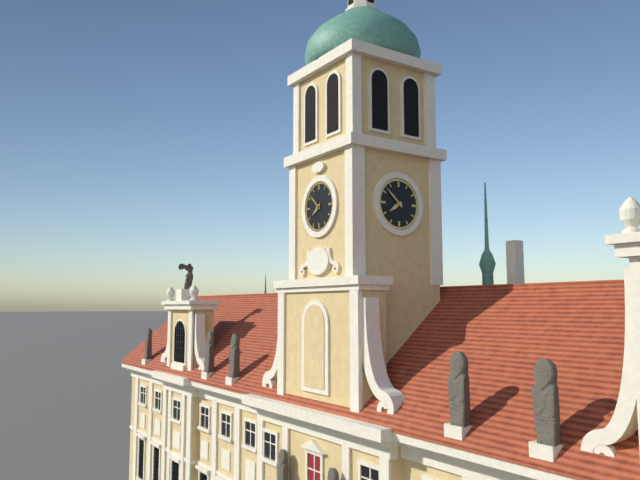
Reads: 7:52
